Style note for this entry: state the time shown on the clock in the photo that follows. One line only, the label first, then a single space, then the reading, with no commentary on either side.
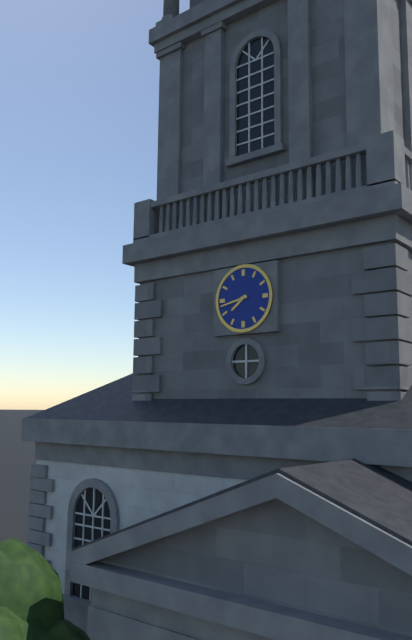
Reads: 7:43
